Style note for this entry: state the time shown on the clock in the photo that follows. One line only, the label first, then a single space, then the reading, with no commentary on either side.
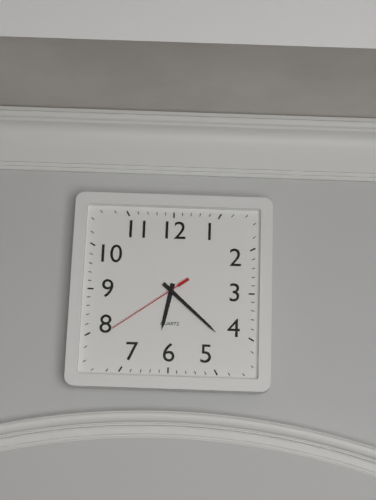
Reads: 6:22:39
